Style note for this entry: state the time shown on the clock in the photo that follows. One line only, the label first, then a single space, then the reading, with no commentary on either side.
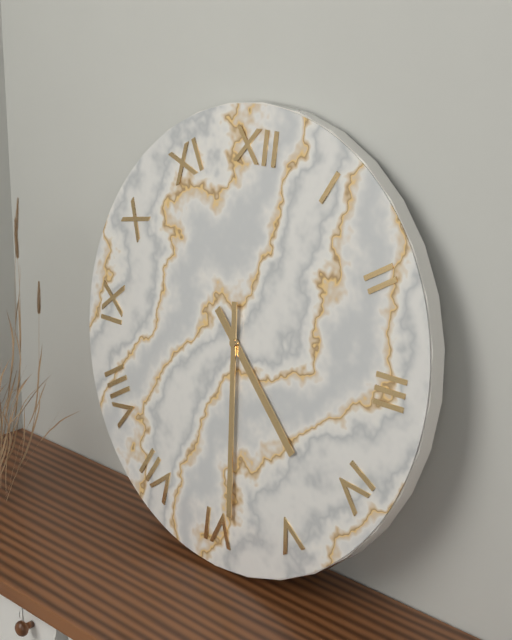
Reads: 4:29
